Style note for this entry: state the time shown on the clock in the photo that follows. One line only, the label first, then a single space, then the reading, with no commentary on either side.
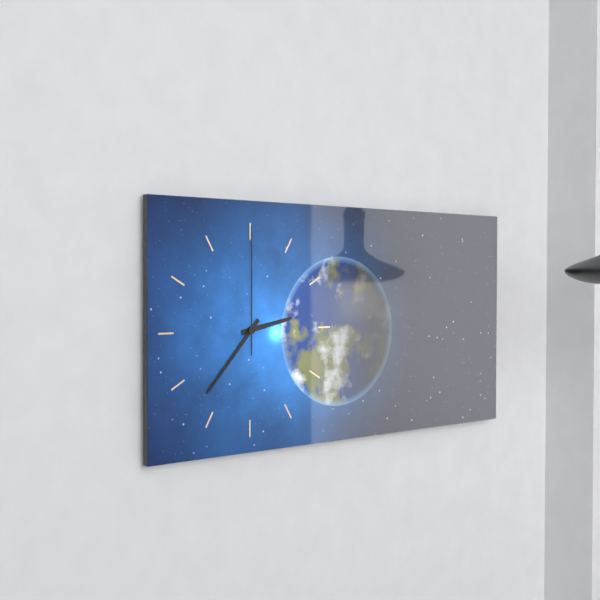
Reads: 2:37:00
